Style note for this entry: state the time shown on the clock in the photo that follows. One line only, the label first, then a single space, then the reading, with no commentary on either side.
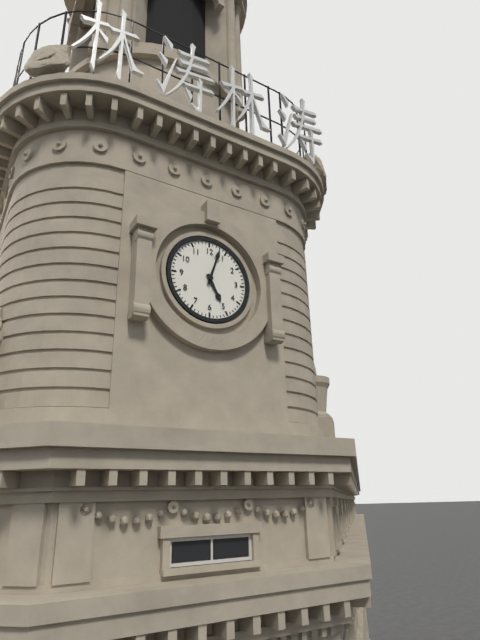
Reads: 5:03
